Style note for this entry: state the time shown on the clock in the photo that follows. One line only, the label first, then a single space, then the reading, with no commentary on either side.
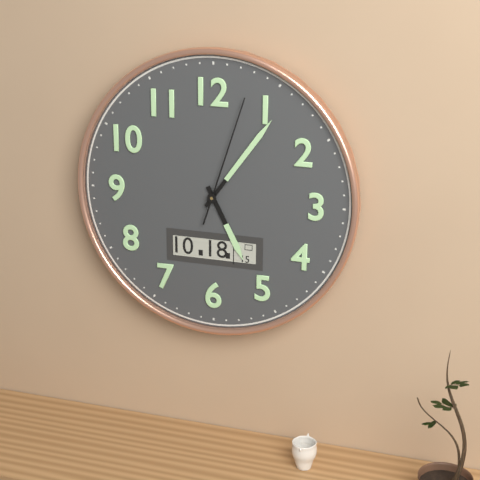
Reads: 5:06:03
